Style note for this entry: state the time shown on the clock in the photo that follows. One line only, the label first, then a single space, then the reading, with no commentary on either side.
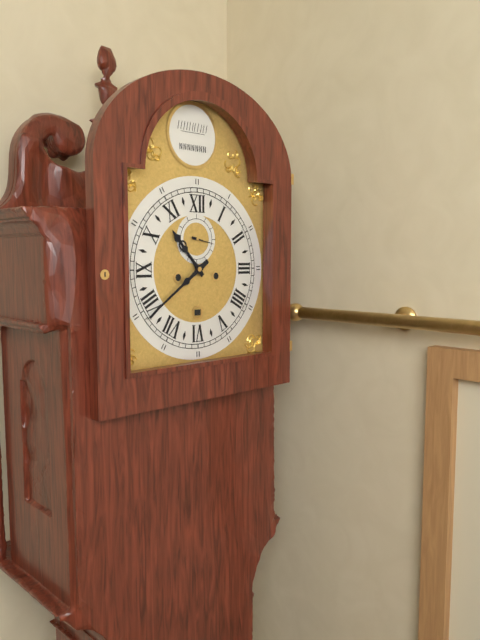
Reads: 10:39
